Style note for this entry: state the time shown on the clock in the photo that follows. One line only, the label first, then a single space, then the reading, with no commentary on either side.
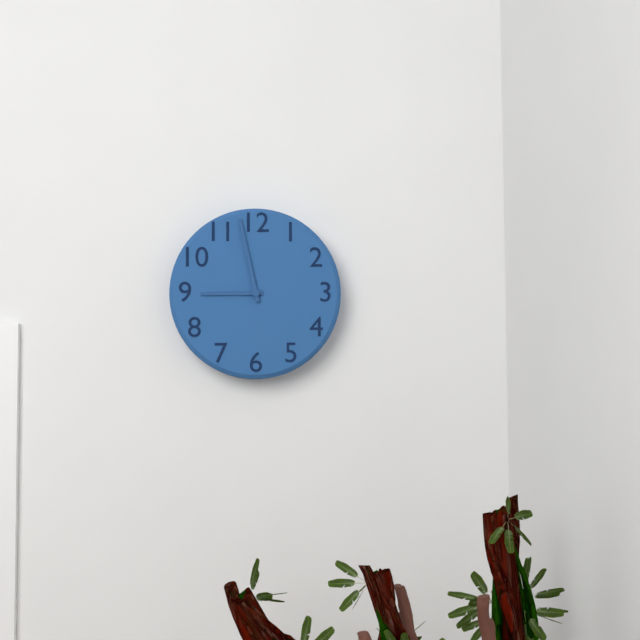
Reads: 8:58
